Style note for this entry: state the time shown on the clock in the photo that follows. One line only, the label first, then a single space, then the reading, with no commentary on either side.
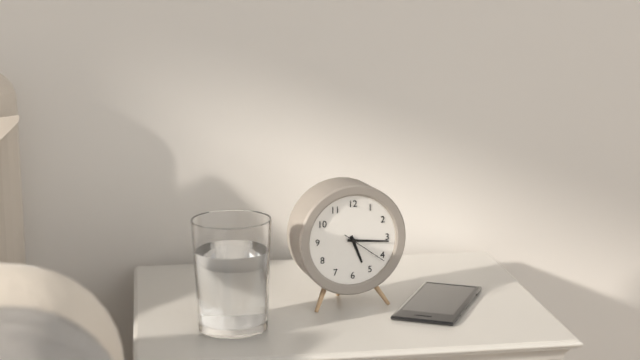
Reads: 5:16:21
